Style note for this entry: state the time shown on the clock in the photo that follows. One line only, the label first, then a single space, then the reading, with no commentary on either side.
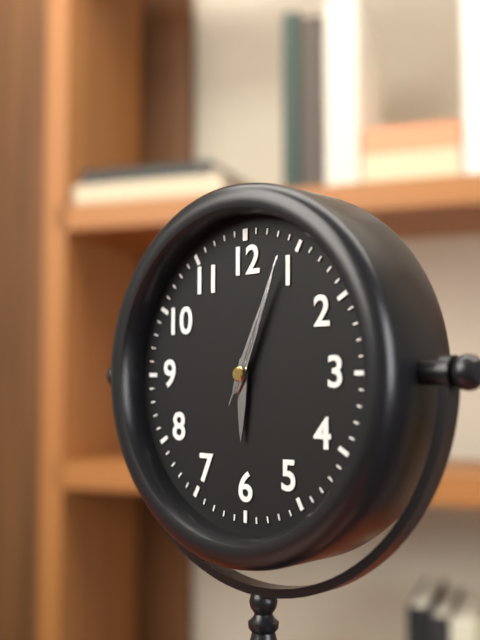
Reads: 6:04:04
